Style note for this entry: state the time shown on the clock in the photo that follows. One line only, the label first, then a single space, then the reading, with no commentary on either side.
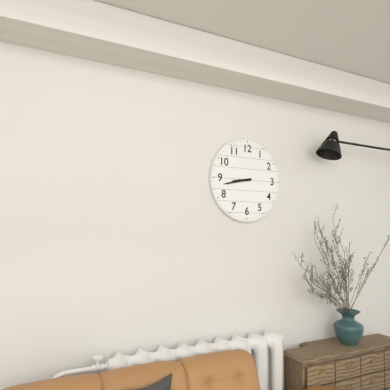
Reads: 8:43
